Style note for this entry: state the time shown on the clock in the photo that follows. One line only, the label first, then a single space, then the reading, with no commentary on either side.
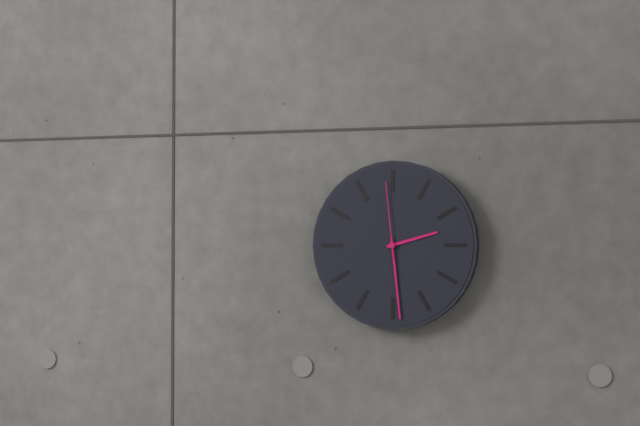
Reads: 2:29:59
